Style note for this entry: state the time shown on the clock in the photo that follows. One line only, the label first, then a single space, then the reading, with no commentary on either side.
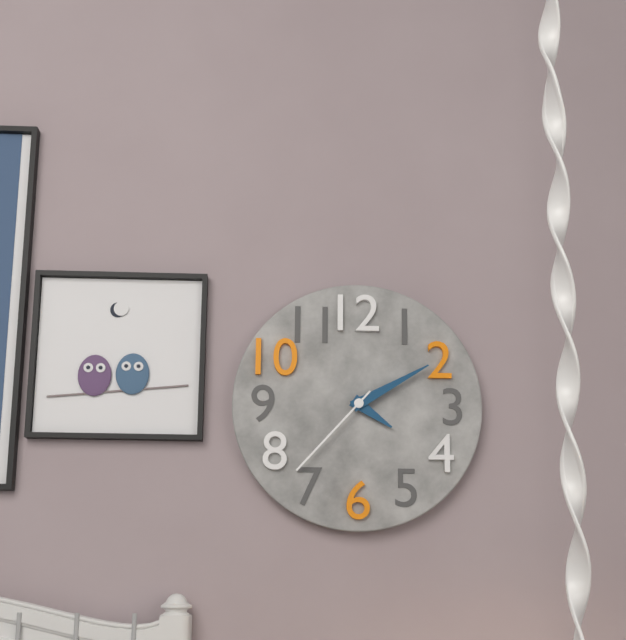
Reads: 4:10:37
